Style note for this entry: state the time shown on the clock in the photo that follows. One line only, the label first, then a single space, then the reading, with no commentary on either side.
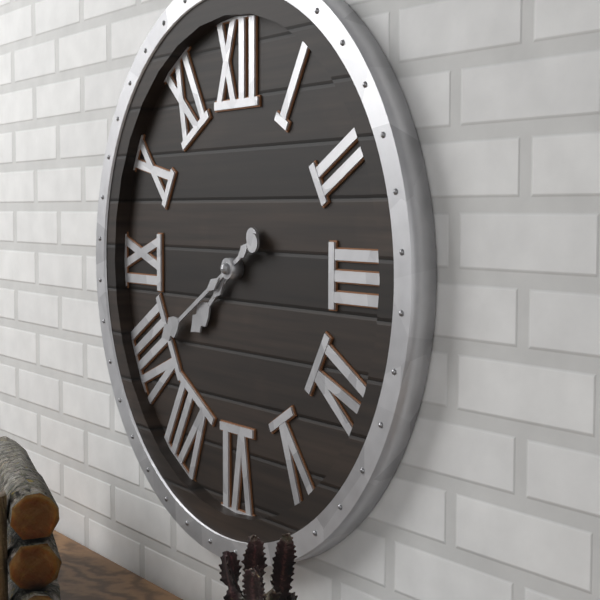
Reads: 7:40
